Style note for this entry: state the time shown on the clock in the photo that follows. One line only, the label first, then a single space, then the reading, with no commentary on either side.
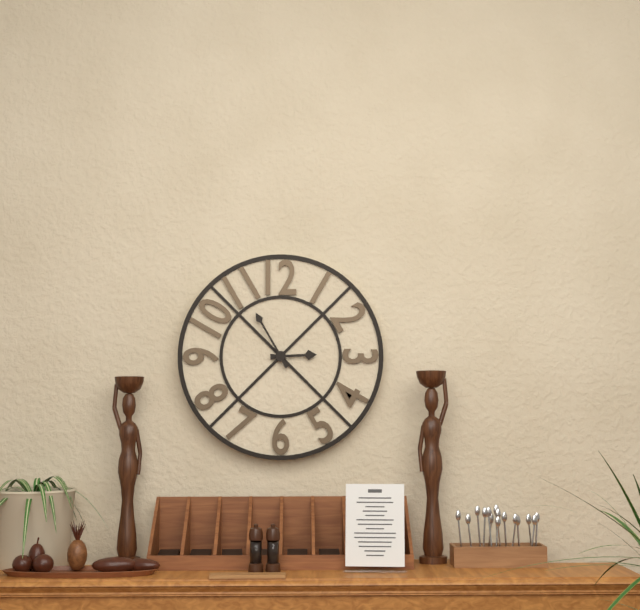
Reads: 2:55
